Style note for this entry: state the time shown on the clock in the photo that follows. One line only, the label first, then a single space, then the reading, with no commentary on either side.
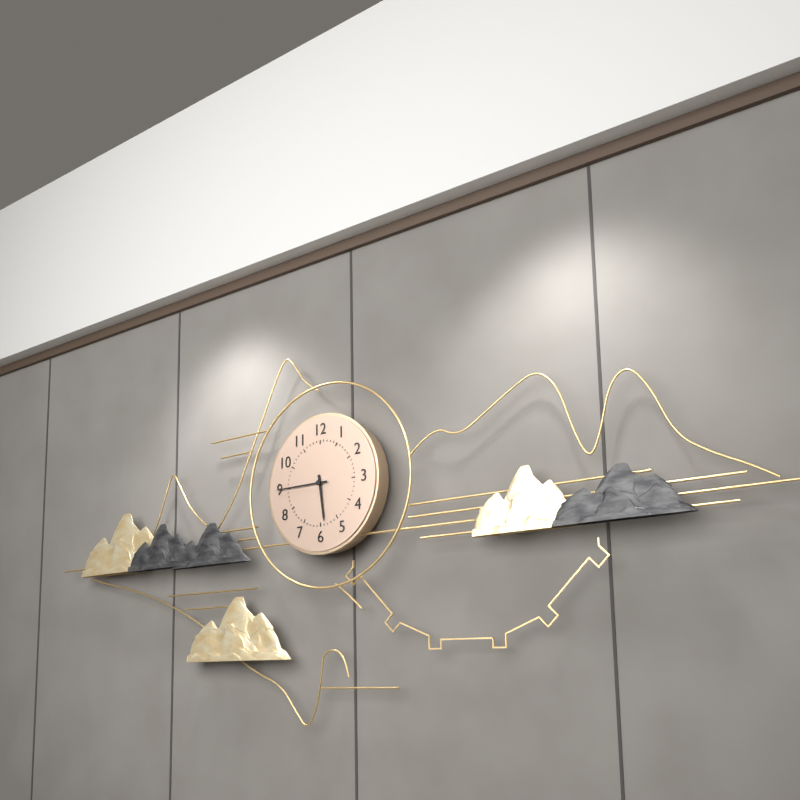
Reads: 5:45
